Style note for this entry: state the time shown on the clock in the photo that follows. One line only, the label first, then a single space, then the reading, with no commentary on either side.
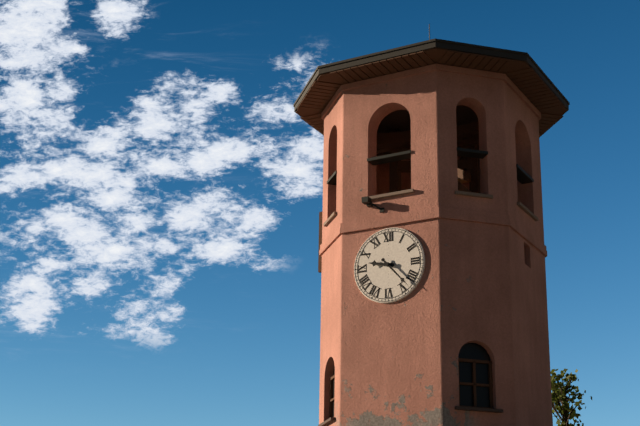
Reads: 9:23
